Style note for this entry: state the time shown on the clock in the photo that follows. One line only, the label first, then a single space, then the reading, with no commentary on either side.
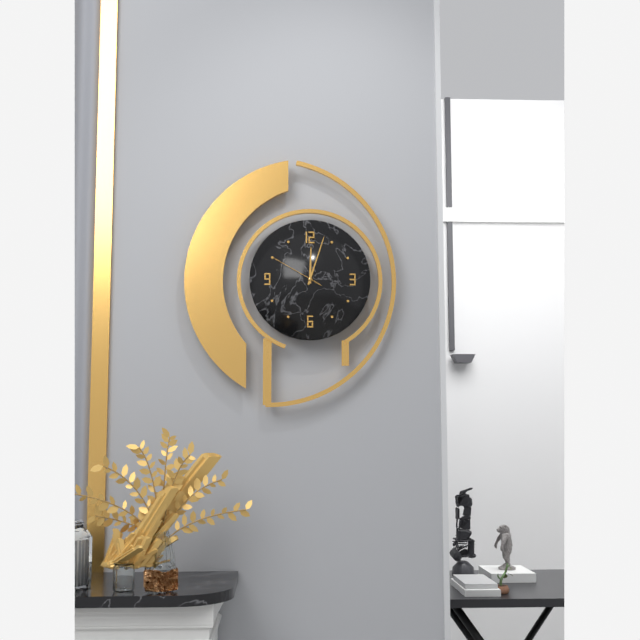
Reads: 12:03:50
